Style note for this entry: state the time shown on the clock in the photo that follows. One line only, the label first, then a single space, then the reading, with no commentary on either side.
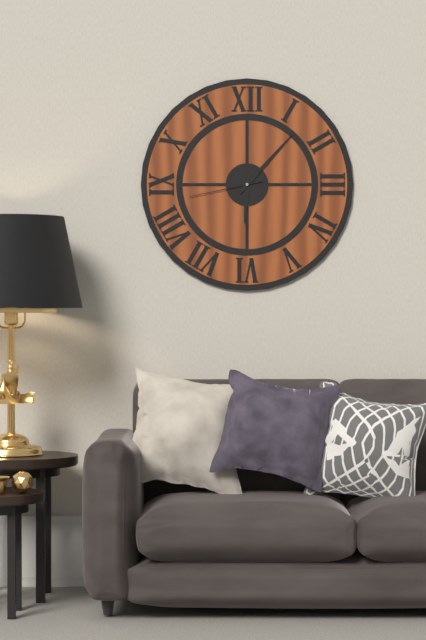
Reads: 6:07:43
